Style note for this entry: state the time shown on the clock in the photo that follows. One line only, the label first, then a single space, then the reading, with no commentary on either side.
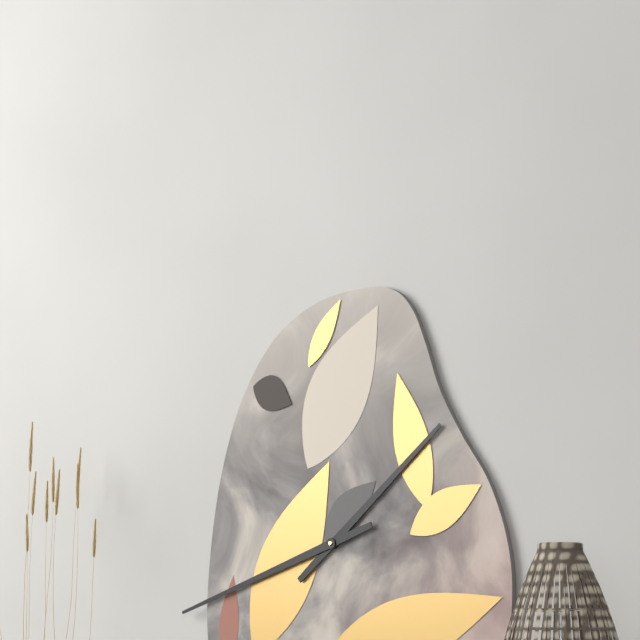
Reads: 1:42
